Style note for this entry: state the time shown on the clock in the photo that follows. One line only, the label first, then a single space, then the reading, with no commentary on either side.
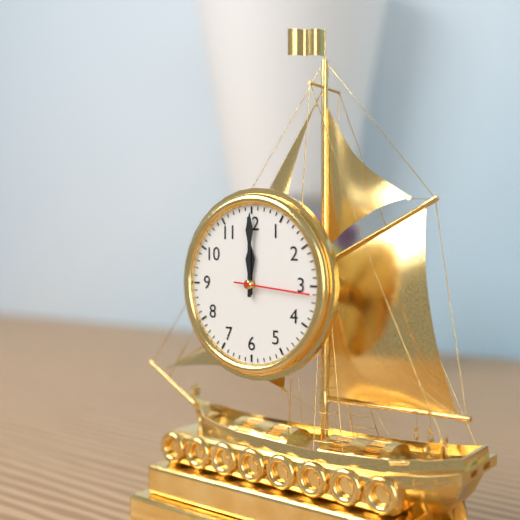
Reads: 12:00:16
